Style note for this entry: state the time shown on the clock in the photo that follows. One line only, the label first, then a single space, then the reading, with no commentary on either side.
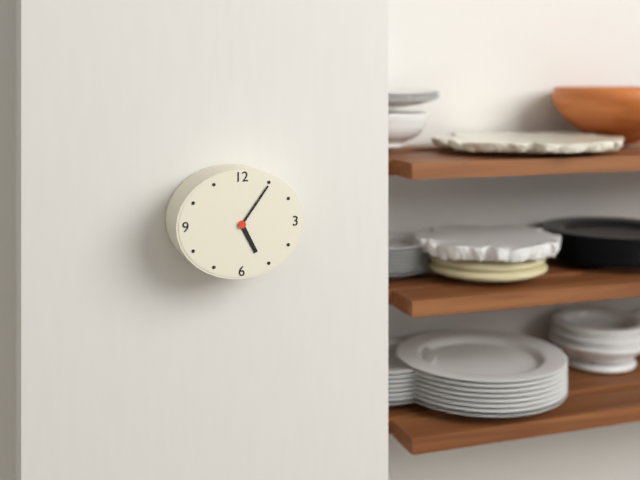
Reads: 5:06
